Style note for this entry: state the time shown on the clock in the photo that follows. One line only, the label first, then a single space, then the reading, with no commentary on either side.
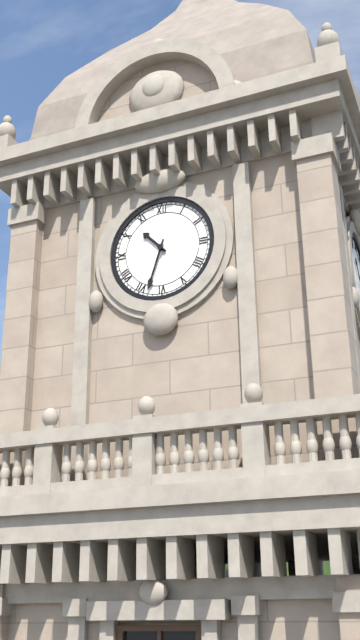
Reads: 10:33
